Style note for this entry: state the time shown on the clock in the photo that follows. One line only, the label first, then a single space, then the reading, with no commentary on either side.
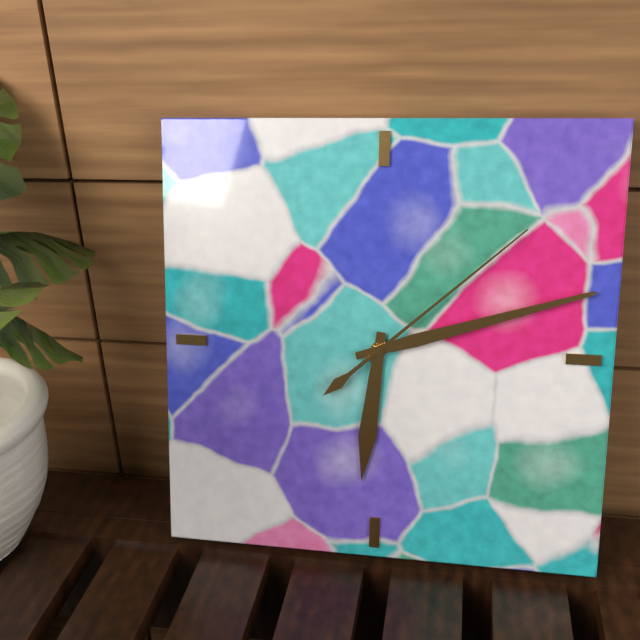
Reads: 6:12:08
